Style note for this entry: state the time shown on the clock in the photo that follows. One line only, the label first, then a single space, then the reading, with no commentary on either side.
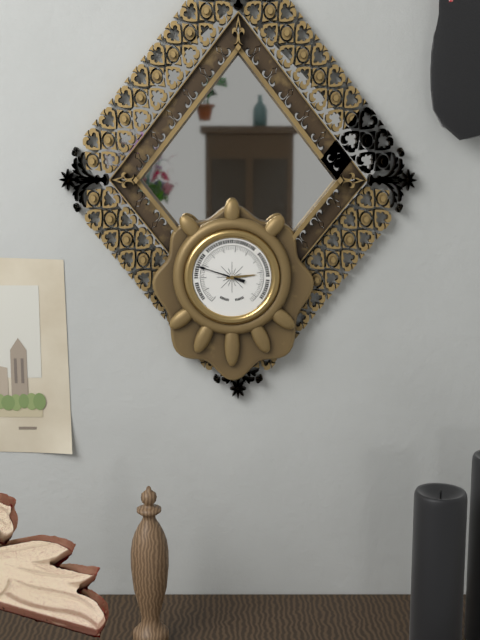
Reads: 2:48
